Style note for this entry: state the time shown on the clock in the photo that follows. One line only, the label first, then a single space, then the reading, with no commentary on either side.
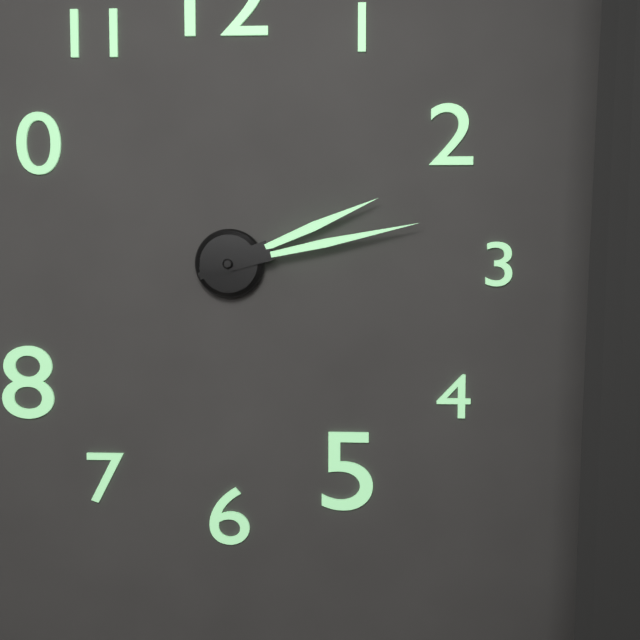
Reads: 2:13
